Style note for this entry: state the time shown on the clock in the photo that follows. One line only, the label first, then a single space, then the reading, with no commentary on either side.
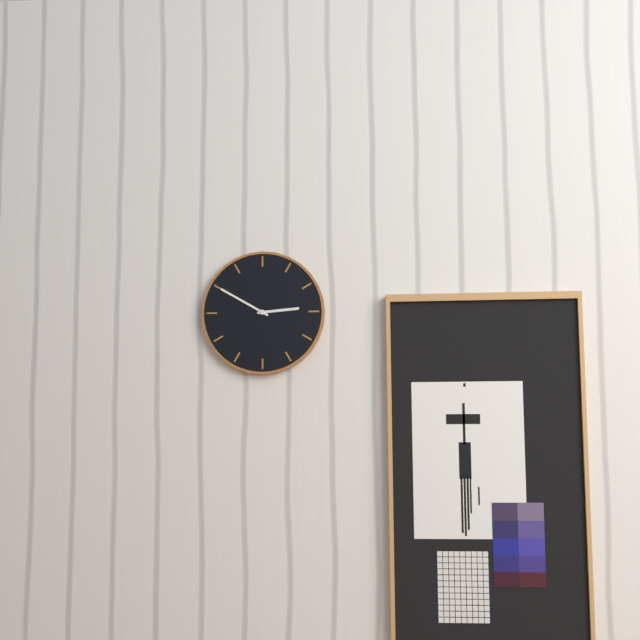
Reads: 2:50
